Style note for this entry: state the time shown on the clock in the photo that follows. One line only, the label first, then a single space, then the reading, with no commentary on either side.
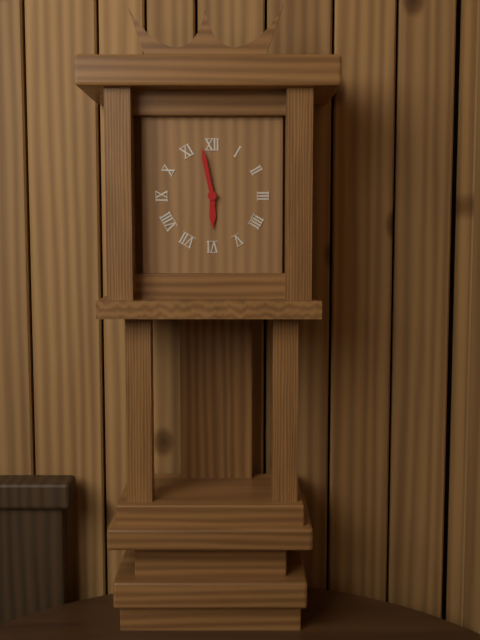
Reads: 5:58
